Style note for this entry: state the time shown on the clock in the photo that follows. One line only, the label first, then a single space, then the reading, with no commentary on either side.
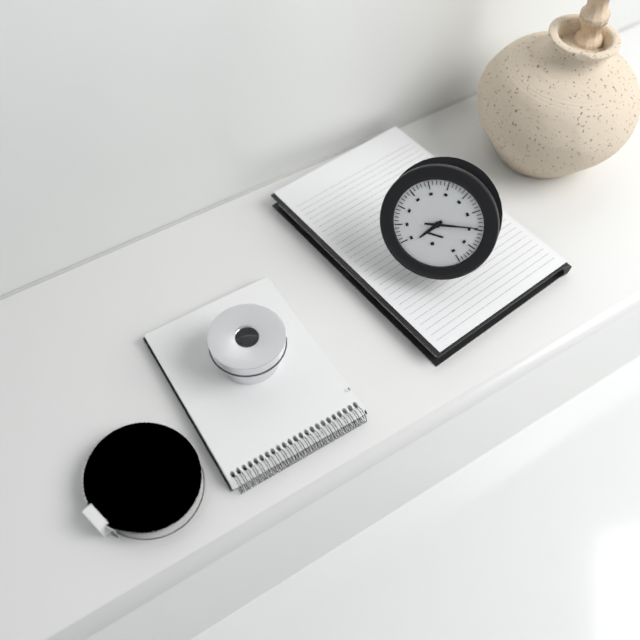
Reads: 7:13
